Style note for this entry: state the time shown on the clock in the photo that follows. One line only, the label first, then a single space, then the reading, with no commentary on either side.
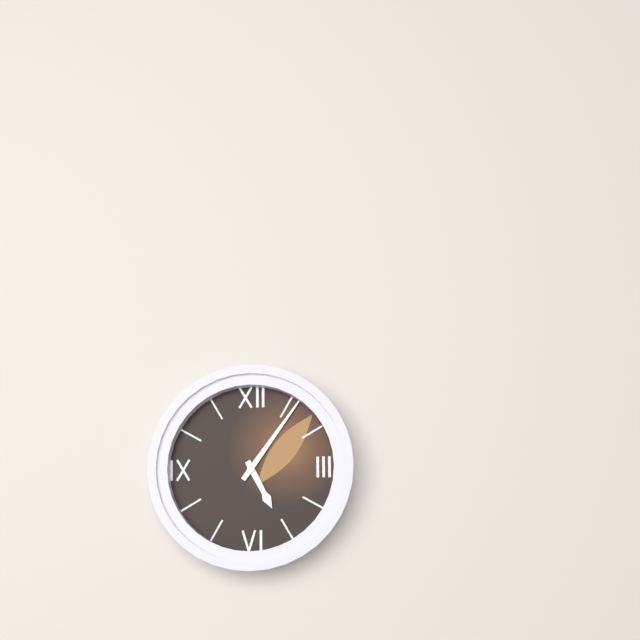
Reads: 5:06
